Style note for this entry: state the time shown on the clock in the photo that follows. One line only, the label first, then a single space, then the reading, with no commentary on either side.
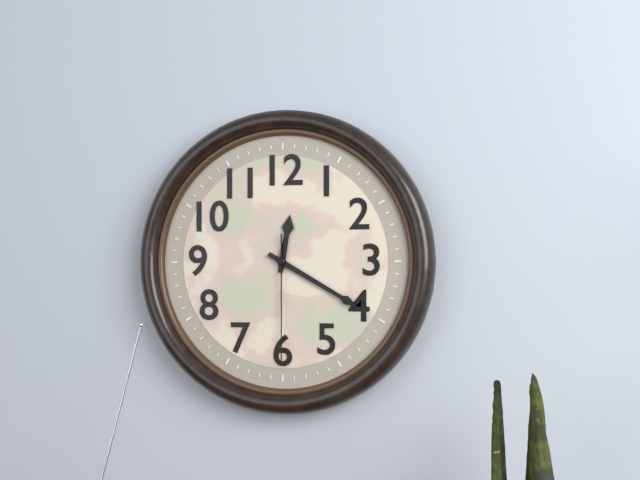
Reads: 12:20:30
